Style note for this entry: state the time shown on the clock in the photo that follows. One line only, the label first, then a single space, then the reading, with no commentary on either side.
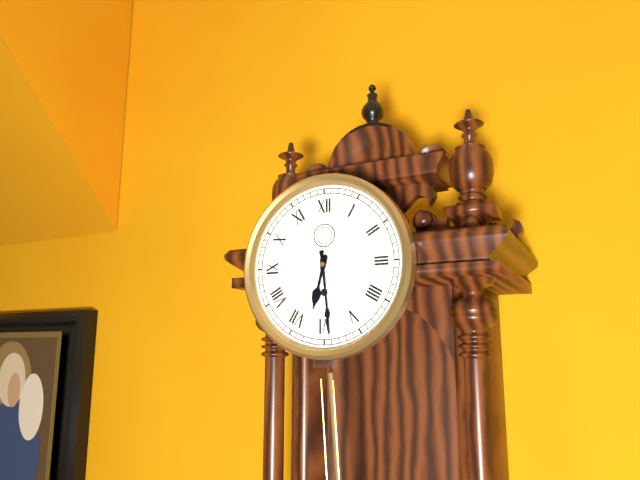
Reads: 6:29
